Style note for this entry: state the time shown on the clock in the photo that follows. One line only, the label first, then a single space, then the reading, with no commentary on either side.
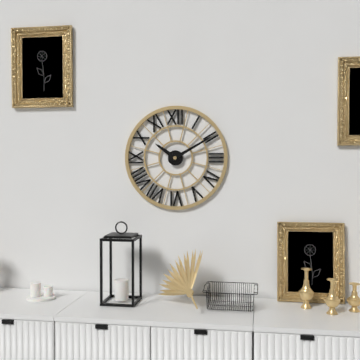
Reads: 10:10
